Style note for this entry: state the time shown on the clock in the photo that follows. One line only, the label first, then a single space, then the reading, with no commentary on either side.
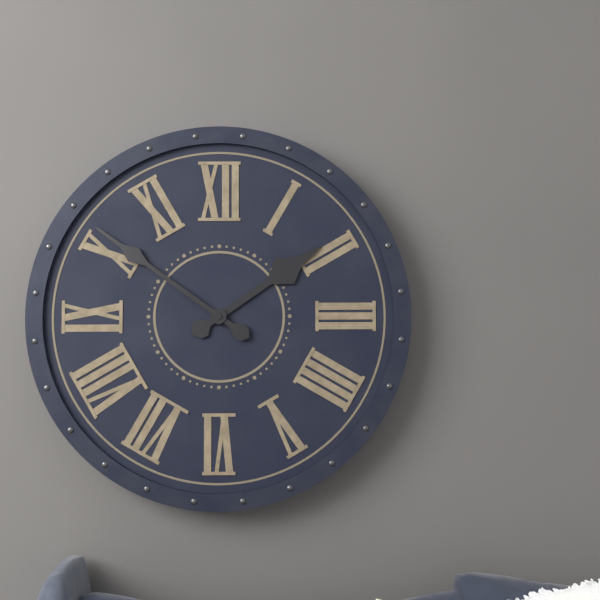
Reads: 1:51
